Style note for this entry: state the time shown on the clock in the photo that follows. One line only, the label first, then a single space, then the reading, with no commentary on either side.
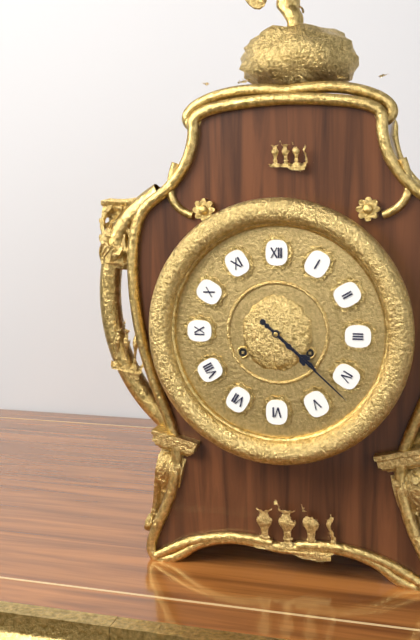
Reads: 4:22
